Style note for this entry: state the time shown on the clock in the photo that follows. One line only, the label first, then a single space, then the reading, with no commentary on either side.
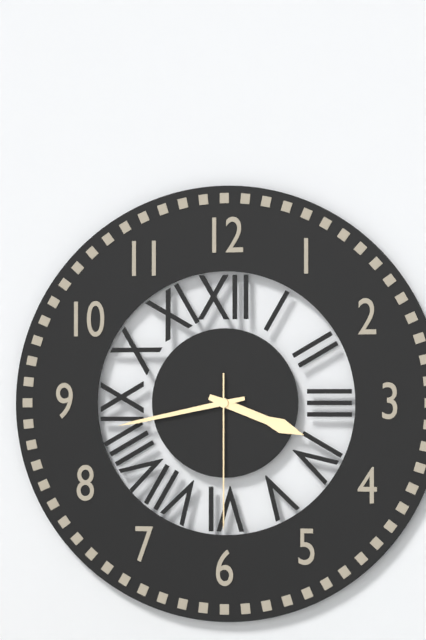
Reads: 3:43:30
